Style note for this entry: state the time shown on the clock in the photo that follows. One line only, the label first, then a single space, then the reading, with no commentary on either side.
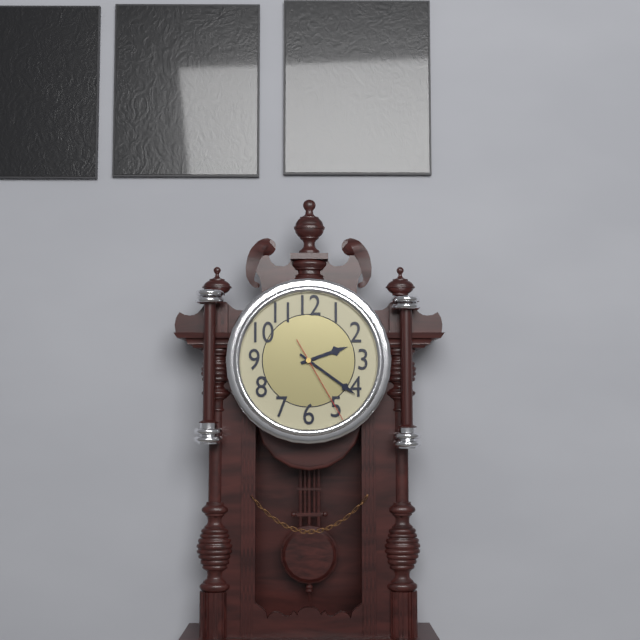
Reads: 2:21:25
